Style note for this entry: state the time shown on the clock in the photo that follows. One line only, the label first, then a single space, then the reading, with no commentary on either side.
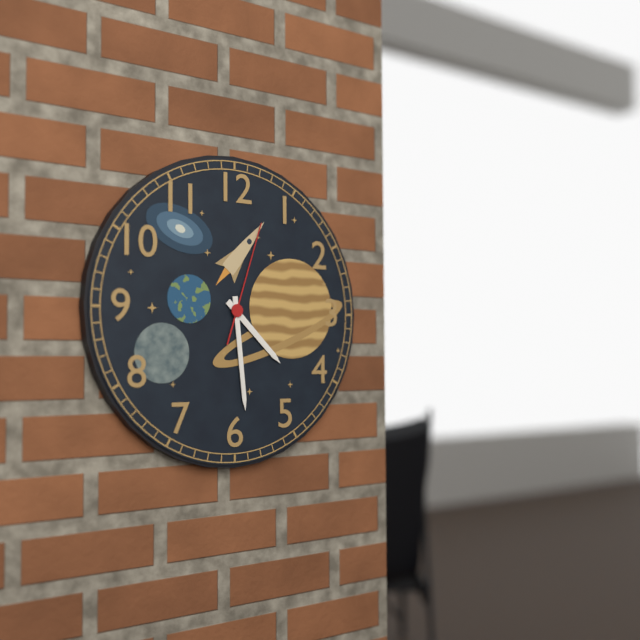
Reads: 4:29:03
